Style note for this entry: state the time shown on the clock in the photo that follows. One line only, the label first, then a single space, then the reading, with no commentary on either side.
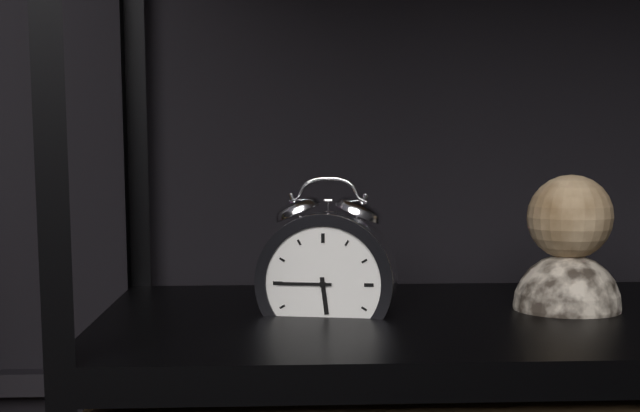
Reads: 5:45
